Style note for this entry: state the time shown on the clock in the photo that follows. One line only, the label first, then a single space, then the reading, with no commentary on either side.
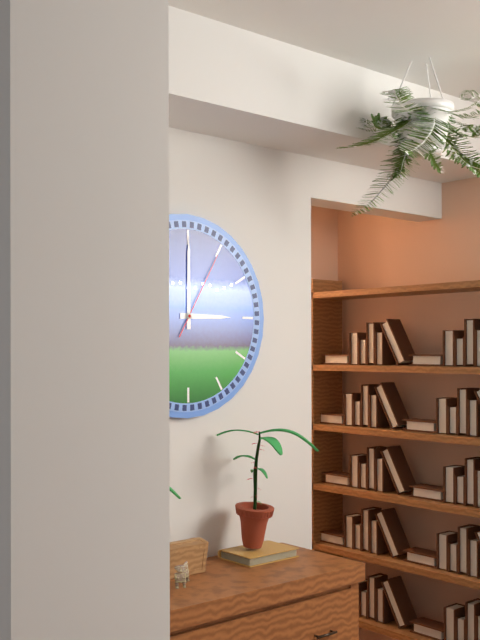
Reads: 3:00:05
